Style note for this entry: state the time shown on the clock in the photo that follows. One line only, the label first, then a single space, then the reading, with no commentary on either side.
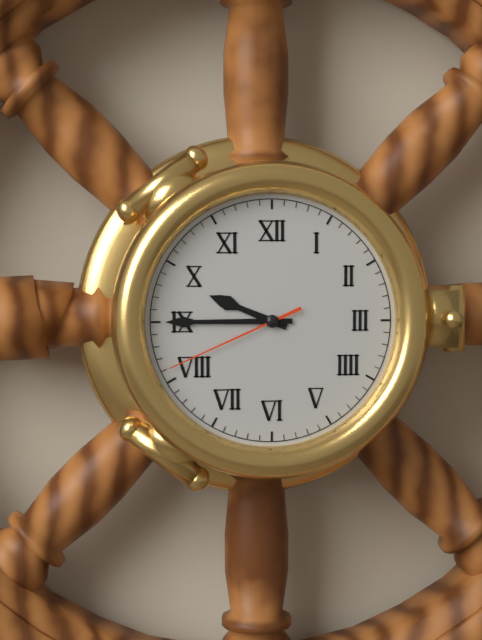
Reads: 9:45:41
